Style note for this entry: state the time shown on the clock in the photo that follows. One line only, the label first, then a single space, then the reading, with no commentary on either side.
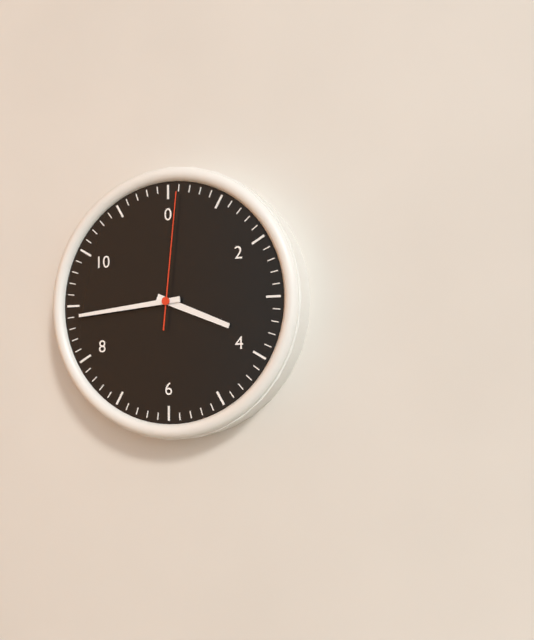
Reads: 3:44:01
